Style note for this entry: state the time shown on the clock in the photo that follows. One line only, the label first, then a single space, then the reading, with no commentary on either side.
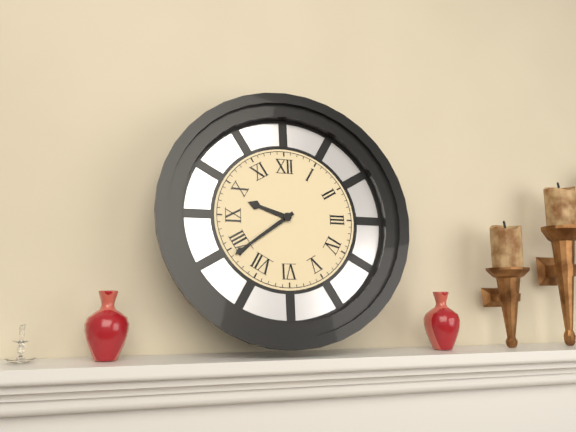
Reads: 9:39
